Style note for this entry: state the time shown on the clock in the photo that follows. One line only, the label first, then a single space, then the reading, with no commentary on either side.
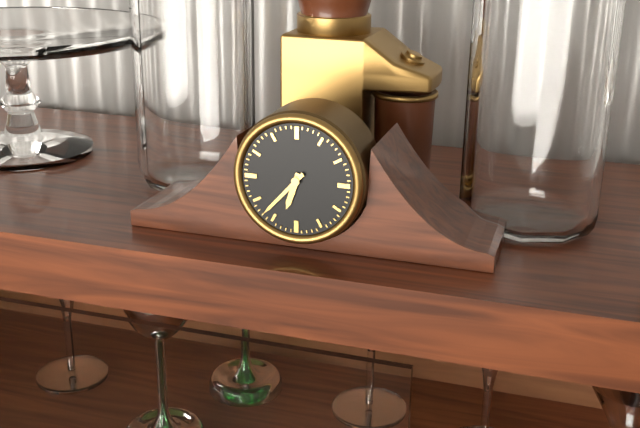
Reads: 6:37
